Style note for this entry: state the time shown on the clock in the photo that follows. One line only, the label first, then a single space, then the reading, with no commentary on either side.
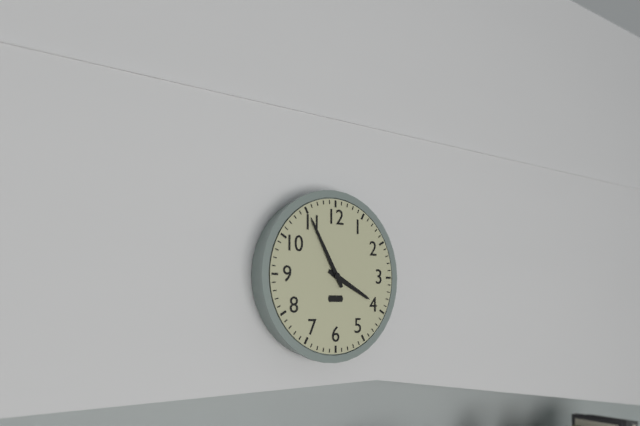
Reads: 3:55
